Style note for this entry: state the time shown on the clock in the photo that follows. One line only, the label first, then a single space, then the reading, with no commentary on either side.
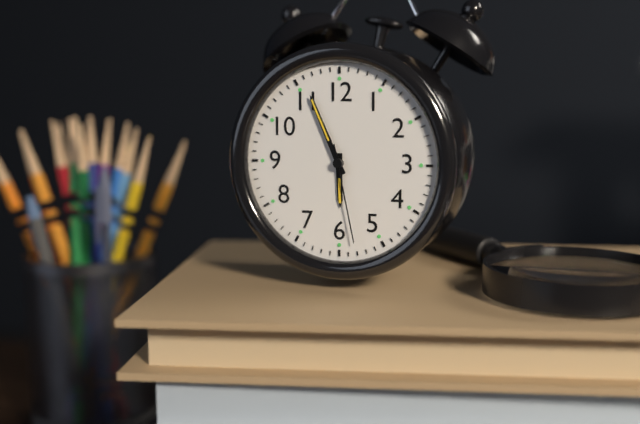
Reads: 5:56:28
